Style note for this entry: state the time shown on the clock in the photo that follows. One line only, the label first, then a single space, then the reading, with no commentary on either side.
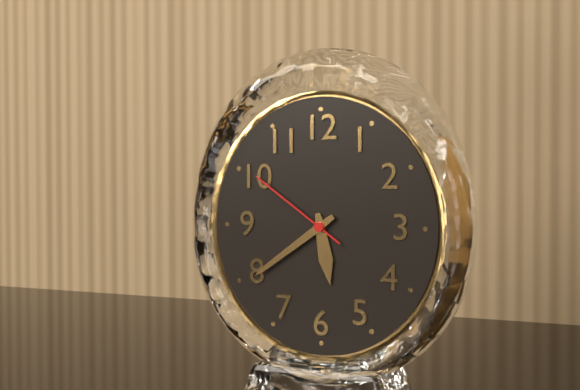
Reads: 5:39:51
